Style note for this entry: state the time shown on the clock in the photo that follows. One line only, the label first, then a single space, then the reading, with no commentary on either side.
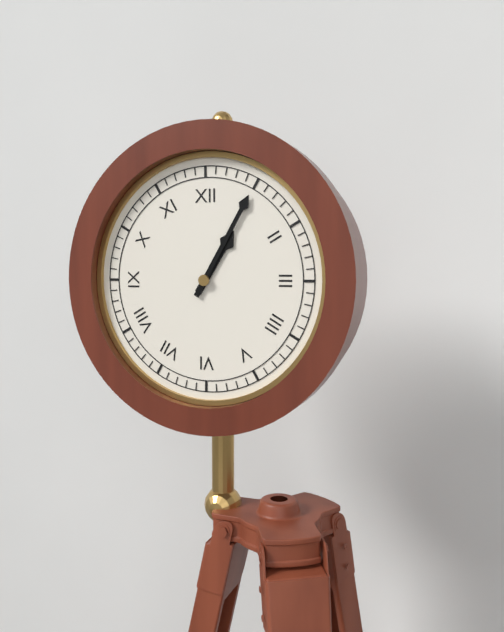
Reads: 1:05
